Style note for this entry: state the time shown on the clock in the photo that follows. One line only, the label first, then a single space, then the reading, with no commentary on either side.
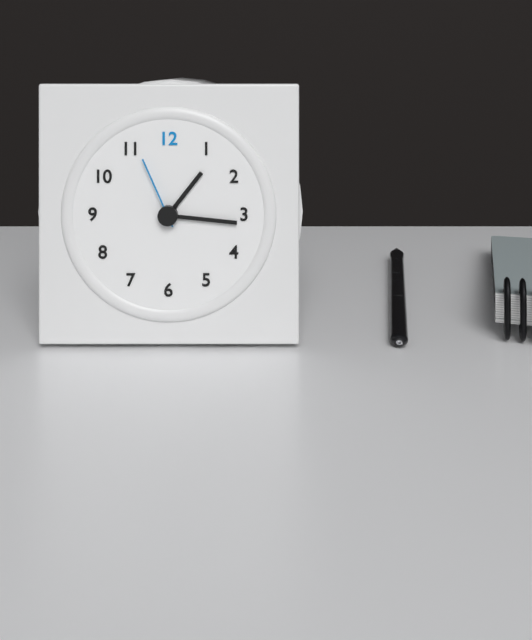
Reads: 1:16:56
